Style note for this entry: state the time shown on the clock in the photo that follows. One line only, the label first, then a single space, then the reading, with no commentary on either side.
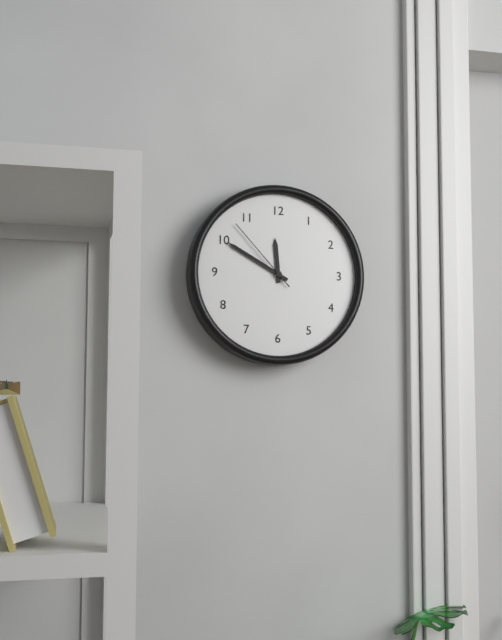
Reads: 11:50:53
